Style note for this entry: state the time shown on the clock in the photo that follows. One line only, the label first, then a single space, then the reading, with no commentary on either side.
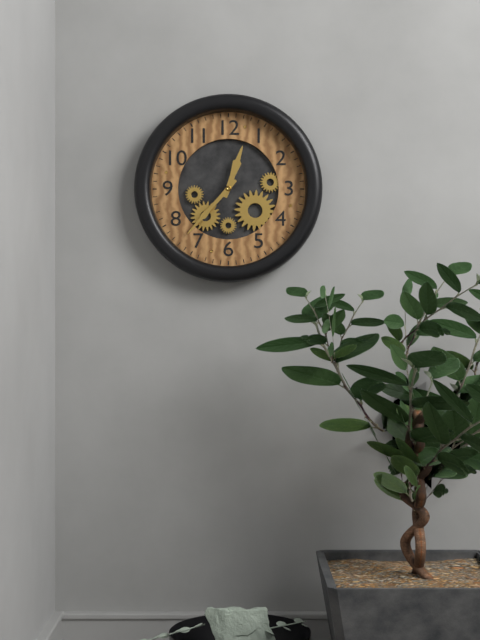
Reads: 12:37
